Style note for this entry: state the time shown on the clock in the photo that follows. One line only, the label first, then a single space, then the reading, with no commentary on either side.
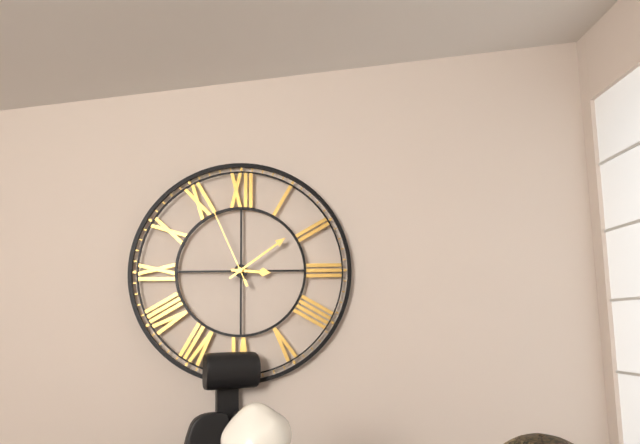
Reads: 3:09:56
